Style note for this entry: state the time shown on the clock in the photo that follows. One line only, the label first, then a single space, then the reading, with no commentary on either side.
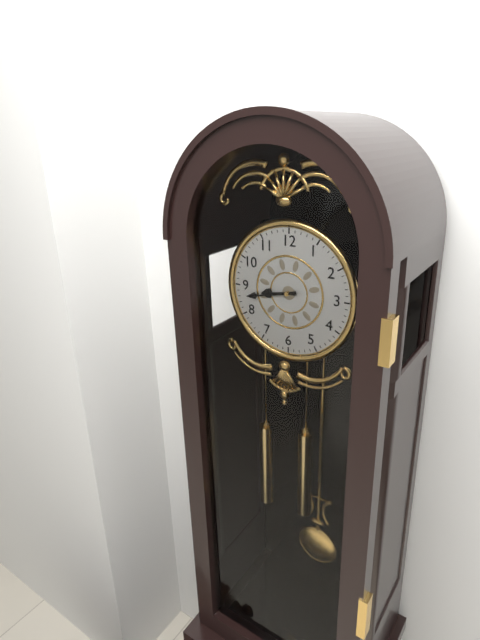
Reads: 8:43
